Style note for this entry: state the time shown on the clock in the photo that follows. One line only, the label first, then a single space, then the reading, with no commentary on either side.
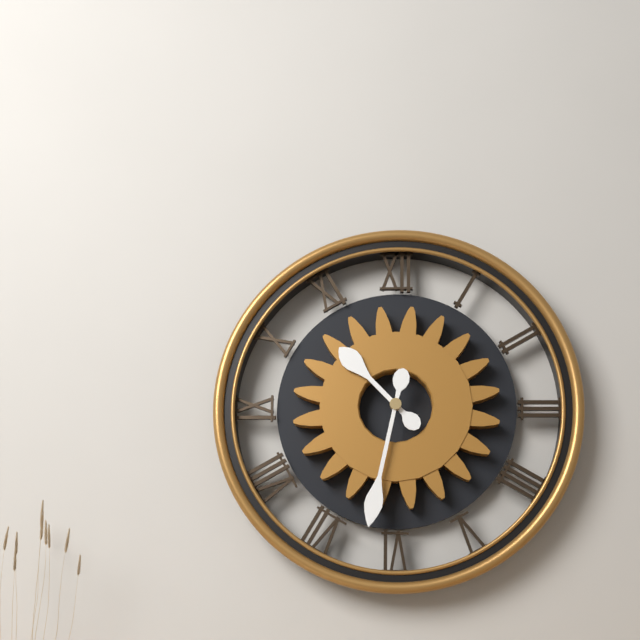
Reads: 10:32
